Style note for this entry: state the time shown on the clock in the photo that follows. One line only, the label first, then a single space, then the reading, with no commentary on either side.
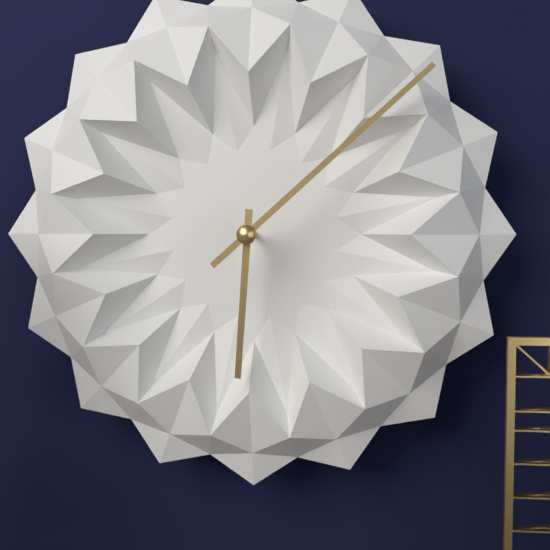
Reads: 6:08
